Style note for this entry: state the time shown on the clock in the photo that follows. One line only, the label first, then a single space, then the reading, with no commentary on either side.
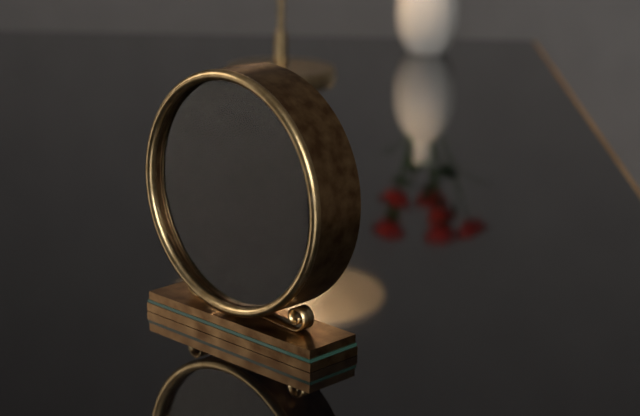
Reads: 2:21
